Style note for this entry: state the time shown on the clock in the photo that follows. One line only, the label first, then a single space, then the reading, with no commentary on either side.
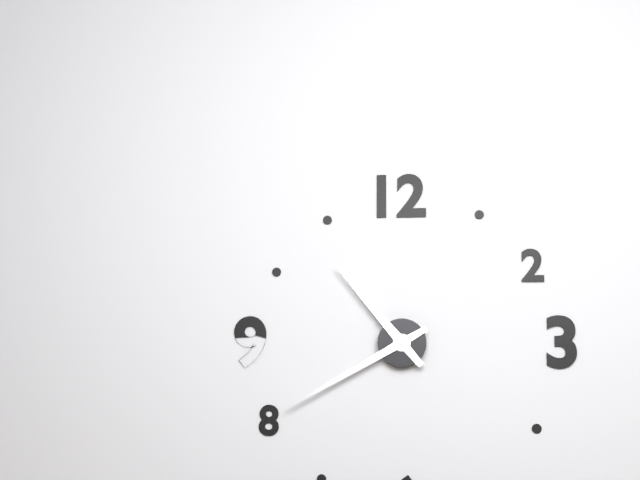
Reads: 10:40
